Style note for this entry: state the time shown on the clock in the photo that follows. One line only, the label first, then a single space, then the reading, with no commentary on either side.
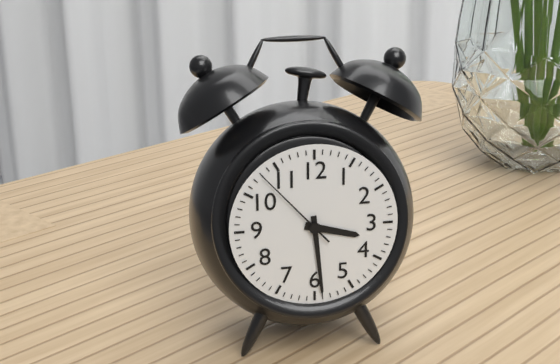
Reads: 3:29:53
